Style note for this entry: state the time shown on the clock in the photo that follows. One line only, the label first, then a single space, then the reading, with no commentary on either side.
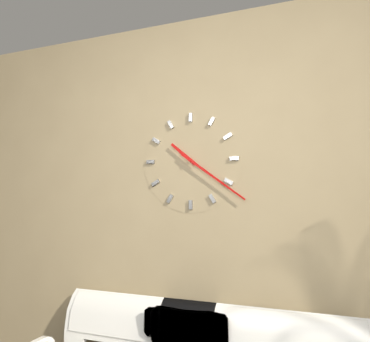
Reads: 10:21
